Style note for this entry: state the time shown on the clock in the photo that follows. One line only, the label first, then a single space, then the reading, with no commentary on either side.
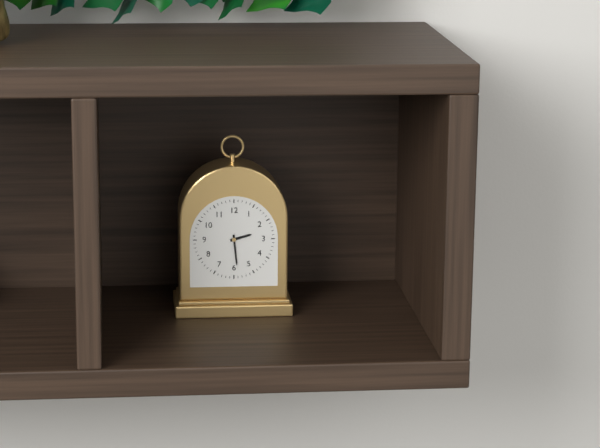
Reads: 2:29
